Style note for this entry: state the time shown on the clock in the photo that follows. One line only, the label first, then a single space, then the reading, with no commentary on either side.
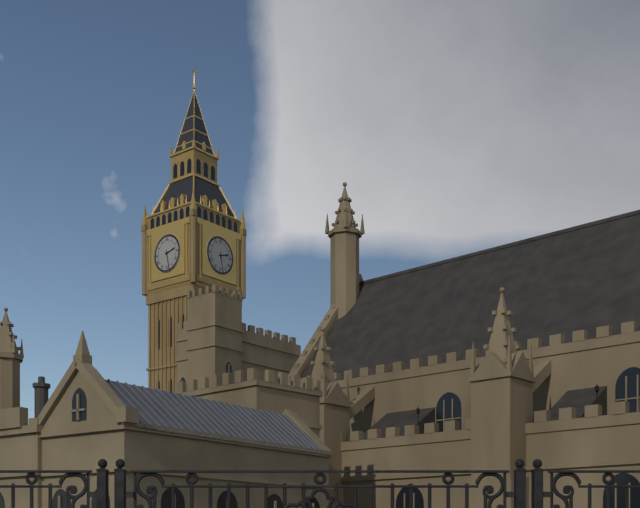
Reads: 2:28
